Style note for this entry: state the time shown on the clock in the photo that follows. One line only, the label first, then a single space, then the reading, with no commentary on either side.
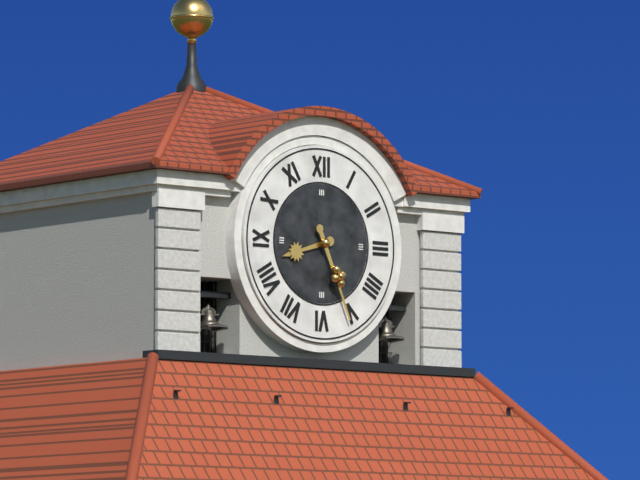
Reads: 8:26
